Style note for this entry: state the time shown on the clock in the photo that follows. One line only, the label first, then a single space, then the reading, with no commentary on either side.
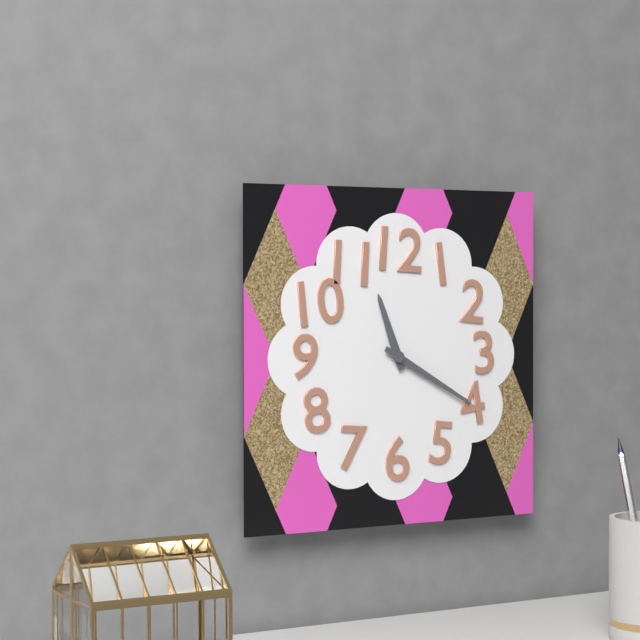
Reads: 11:20
